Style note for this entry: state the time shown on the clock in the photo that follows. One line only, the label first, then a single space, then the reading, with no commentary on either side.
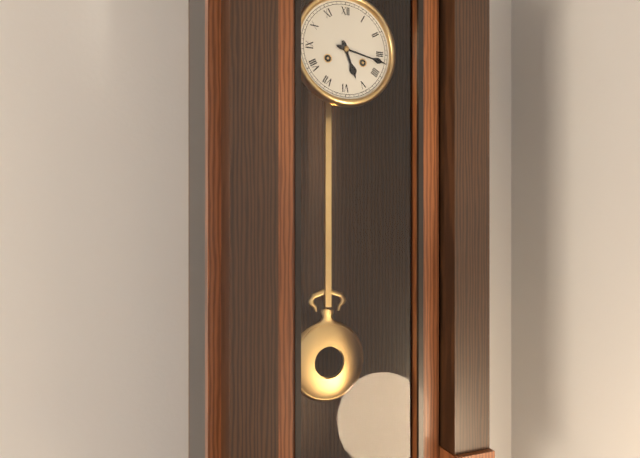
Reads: 5:17
